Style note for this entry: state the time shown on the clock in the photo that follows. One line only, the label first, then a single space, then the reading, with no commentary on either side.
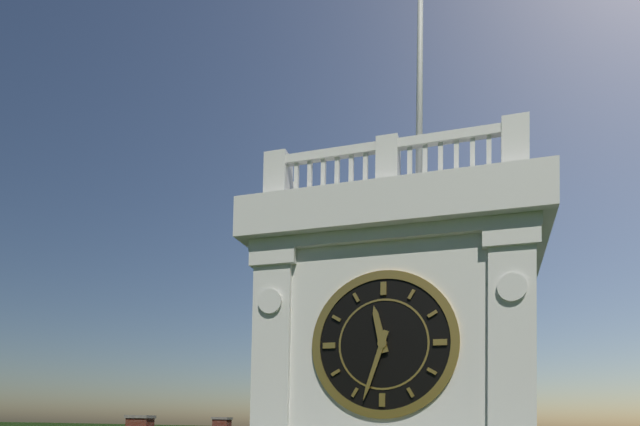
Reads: 11:33
